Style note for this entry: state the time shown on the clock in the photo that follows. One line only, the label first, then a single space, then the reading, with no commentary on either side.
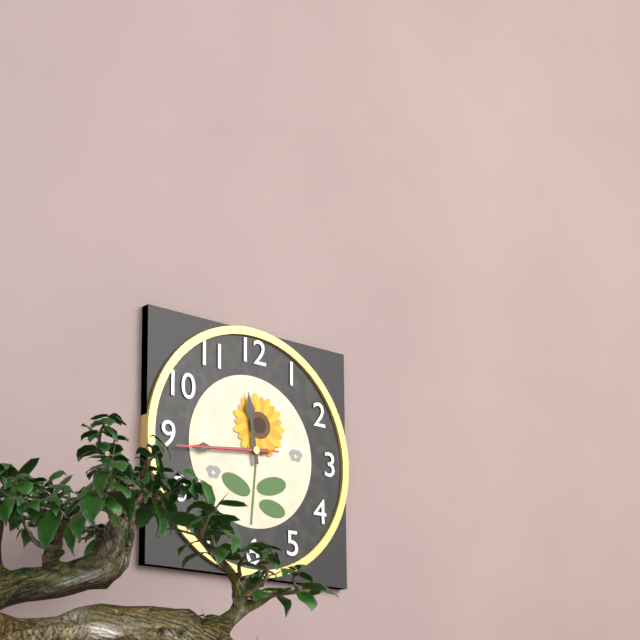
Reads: 11:44:44
